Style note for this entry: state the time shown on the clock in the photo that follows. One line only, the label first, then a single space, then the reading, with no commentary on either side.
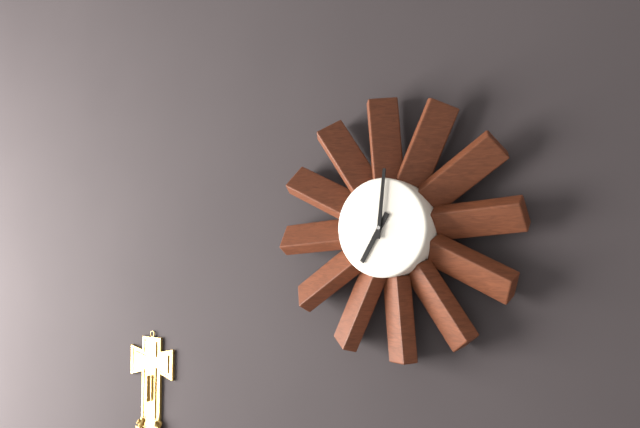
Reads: 7:01
